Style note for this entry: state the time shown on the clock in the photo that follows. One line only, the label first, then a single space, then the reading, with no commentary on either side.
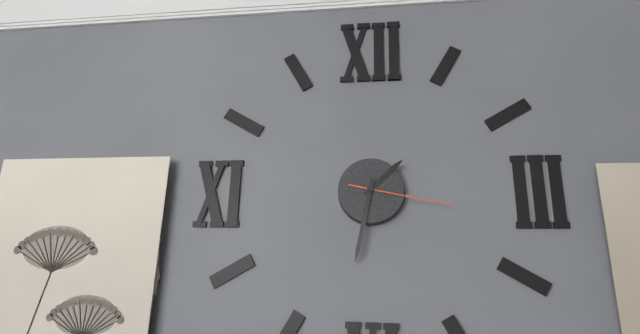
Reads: 1:32:17
